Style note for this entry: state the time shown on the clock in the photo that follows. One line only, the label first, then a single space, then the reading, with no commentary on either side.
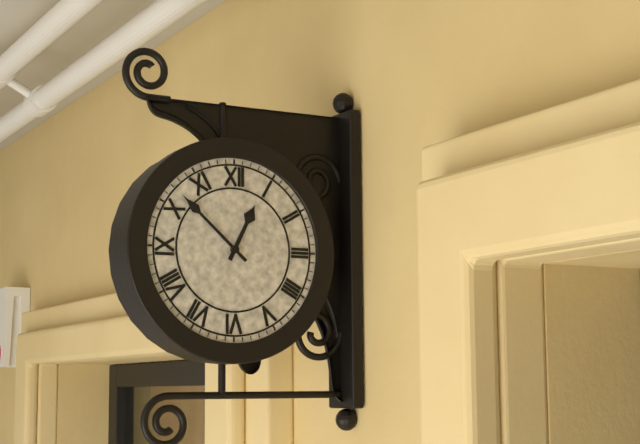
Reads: 12:52
